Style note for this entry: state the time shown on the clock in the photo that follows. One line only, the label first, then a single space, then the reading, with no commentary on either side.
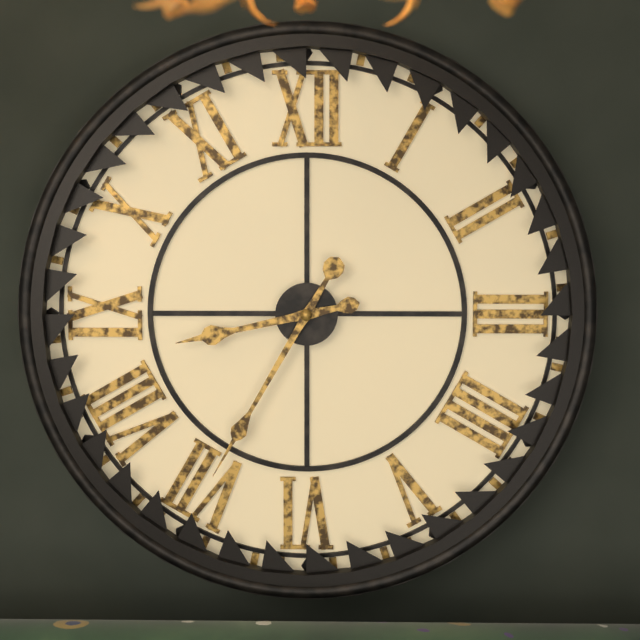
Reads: 8:35
